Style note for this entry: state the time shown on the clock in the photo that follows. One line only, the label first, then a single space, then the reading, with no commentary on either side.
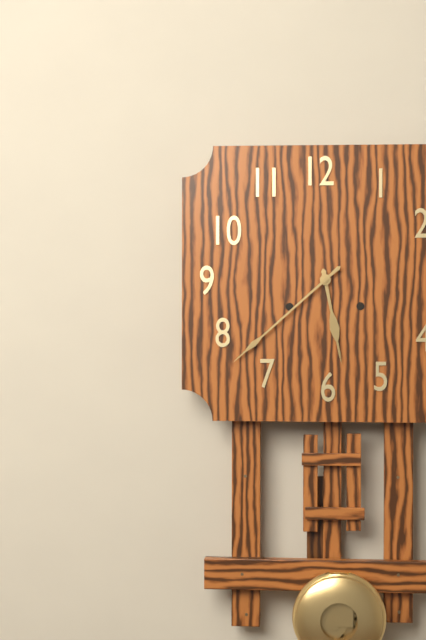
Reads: 5:38
